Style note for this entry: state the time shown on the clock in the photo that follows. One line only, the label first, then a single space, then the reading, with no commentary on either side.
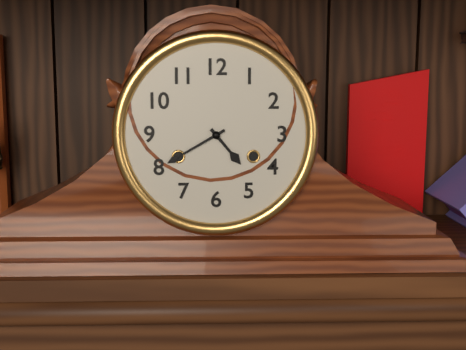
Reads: 4:40
